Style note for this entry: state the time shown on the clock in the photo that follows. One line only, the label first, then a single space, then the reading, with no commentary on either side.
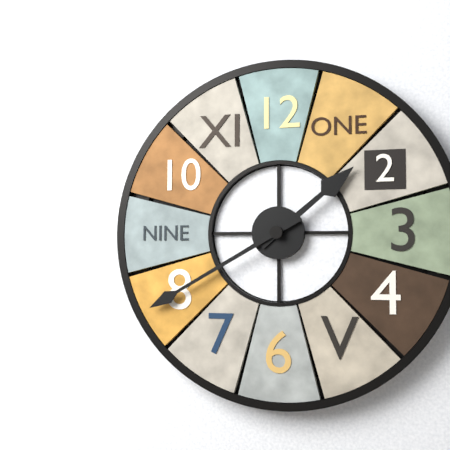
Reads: 1:40
